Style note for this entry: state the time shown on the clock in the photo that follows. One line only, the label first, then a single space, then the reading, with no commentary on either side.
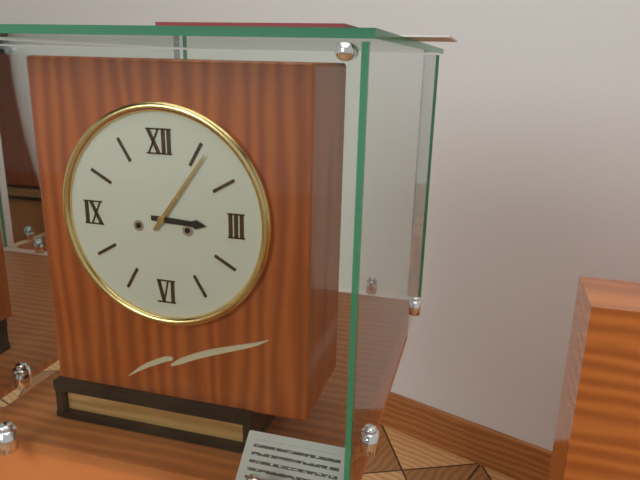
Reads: 3:06
